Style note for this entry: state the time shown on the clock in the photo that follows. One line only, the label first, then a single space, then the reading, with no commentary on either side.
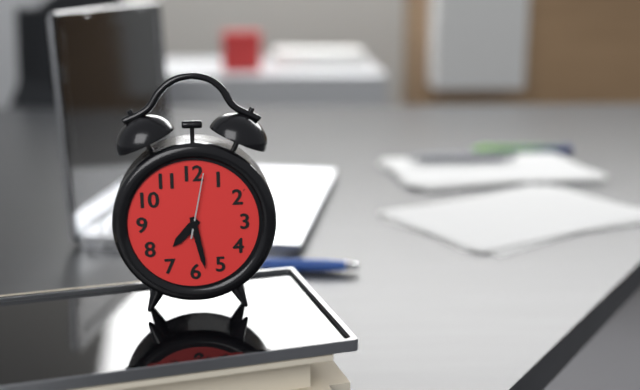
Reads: 7:28:02
